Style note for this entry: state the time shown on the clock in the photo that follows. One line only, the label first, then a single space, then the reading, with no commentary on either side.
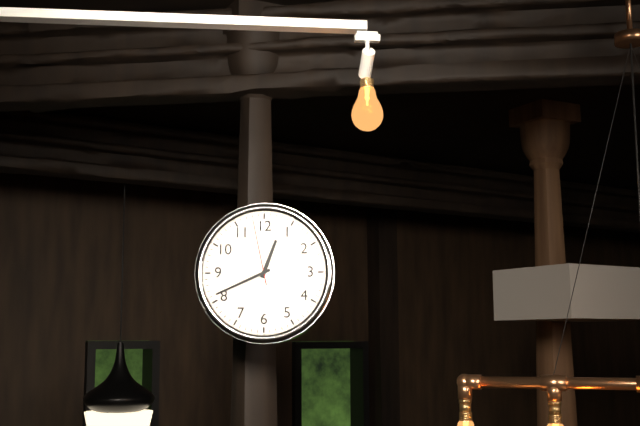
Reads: 12:41:58
